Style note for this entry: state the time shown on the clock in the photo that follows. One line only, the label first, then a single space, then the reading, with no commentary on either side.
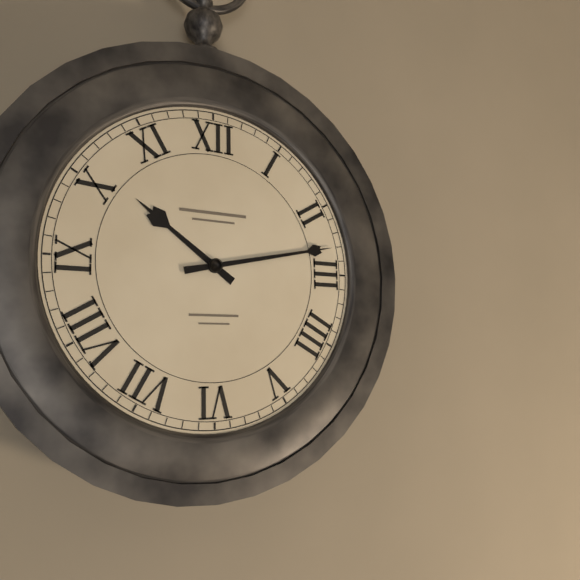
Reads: 10:13
